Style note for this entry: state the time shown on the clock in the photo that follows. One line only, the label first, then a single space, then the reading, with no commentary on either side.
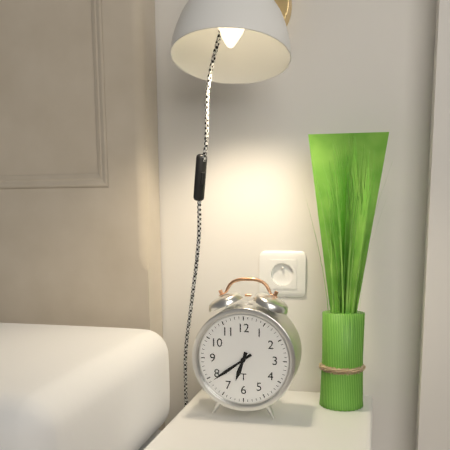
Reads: 6:39
